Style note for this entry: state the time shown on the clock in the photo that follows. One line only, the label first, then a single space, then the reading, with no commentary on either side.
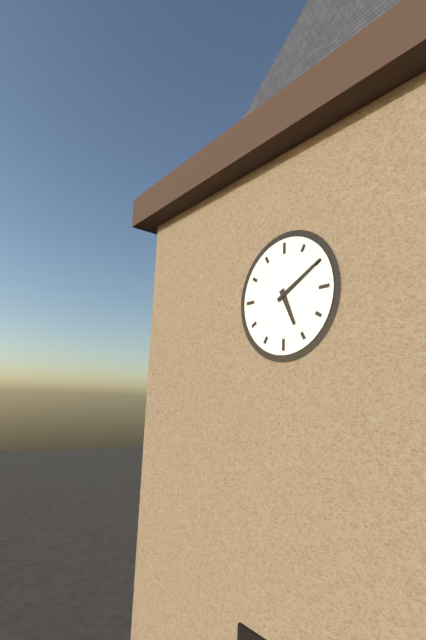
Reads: 5:10
